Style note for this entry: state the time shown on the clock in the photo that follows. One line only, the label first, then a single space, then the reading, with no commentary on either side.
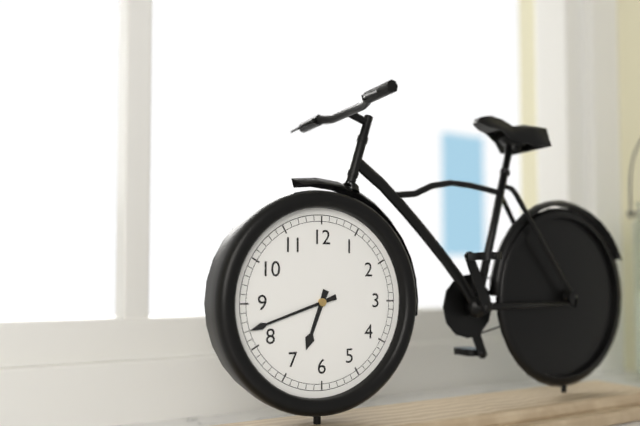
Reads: 6:42
